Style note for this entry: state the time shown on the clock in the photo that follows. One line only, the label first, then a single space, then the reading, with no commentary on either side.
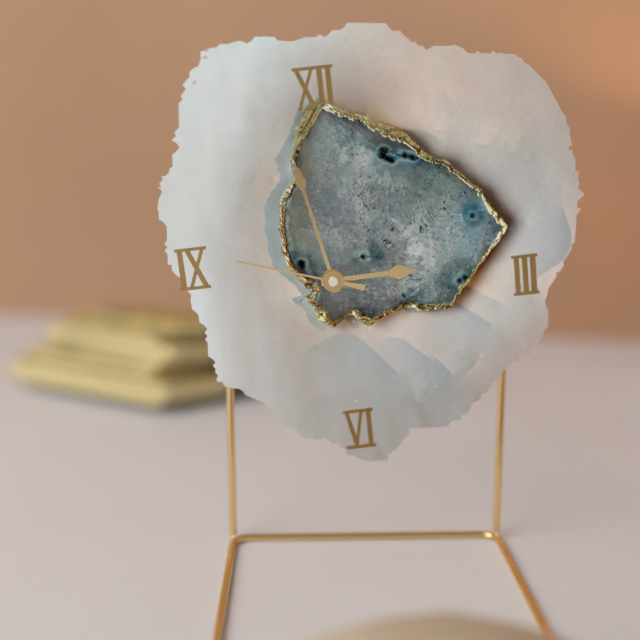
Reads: 2:58:48
